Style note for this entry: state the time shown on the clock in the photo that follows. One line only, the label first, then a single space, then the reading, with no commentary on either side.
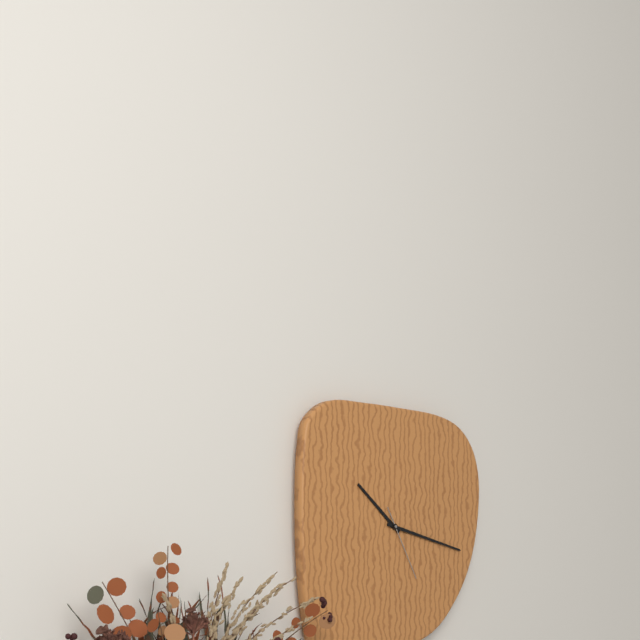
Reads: 10:17:25
